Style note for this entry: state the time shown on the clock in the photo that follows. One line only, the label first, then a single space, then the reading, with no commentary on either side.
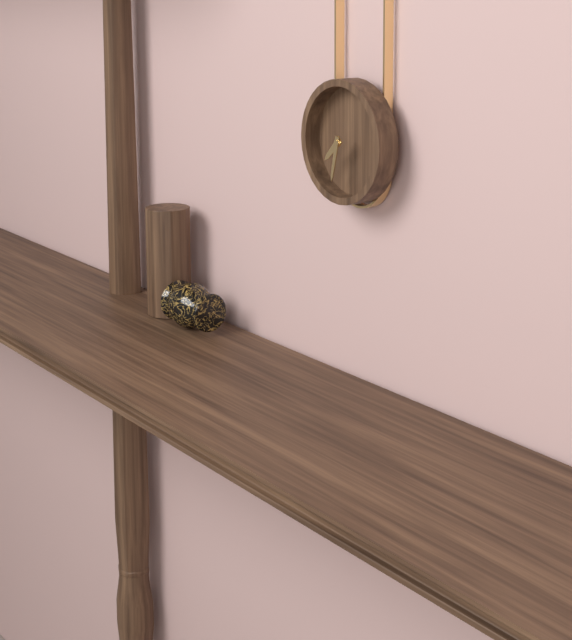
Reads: 7:32
